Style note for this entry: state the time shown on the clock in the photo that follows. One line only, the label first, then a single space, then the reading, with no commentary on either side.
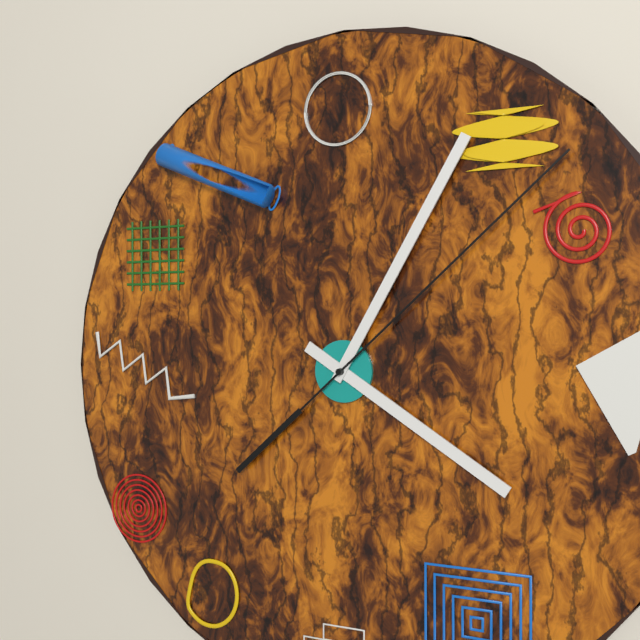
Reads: 4:05:08
